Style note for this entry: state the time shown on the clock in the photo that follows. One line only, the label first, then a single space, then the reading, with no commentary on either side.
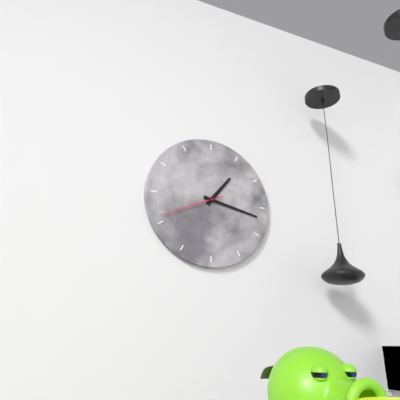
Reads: 1:17:41
